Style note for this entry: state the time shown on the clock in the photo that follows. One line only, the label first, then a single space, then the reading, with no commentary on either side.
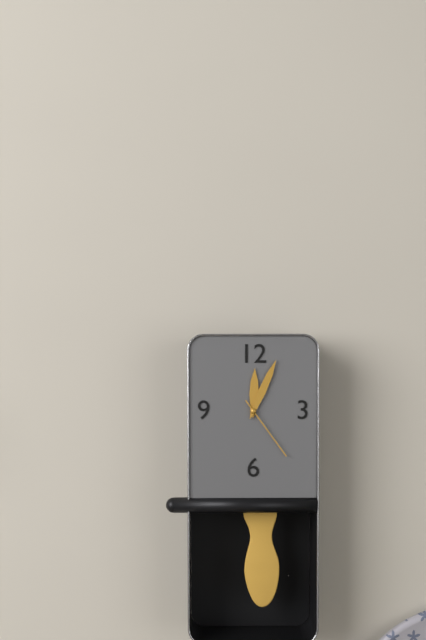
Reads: 12:04:24
